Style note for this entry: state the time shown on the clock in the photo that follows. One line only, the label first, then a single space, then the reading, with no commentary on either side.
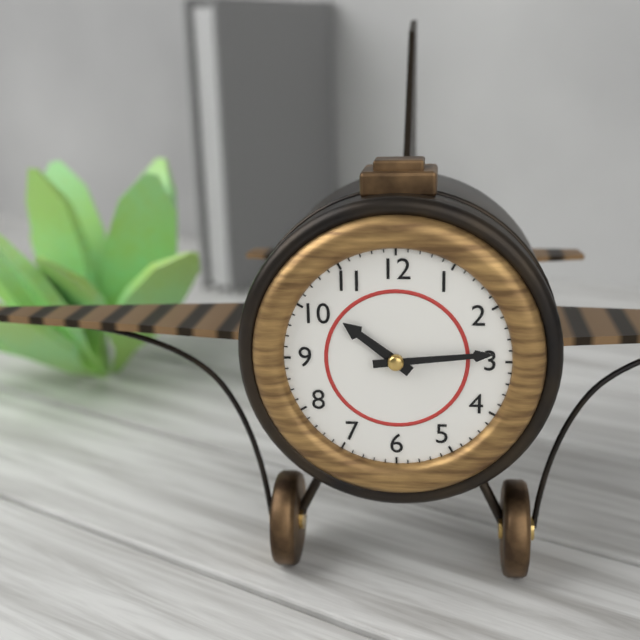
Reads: 10:14
